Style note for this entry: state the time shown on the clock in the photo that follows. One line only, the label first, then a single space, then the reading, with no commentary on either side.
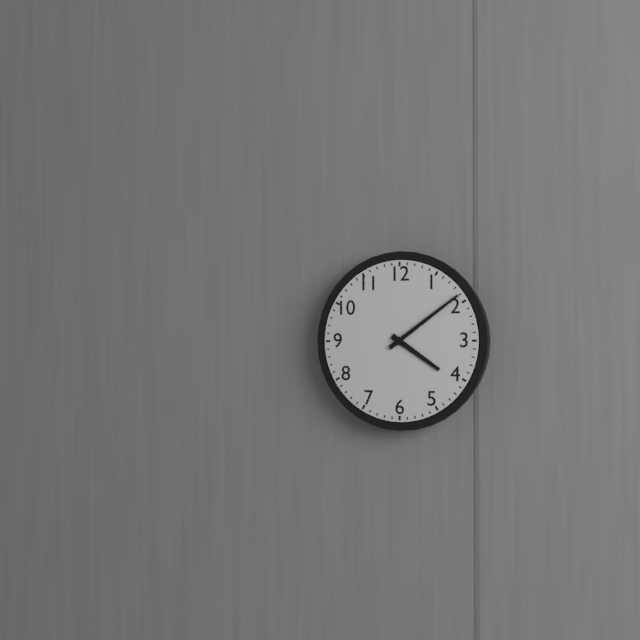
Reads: 4:09
